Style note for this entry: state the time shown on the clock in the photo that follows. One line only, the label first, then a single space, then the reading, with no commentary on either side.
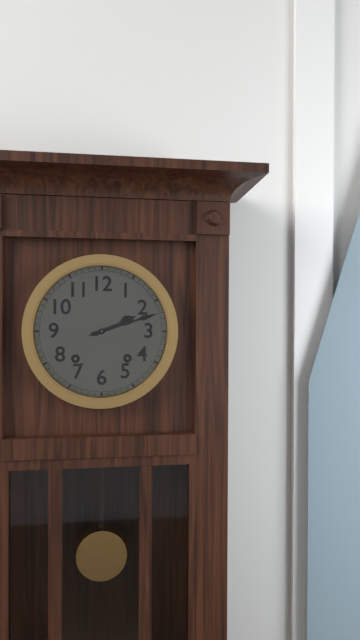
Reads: 2:12
